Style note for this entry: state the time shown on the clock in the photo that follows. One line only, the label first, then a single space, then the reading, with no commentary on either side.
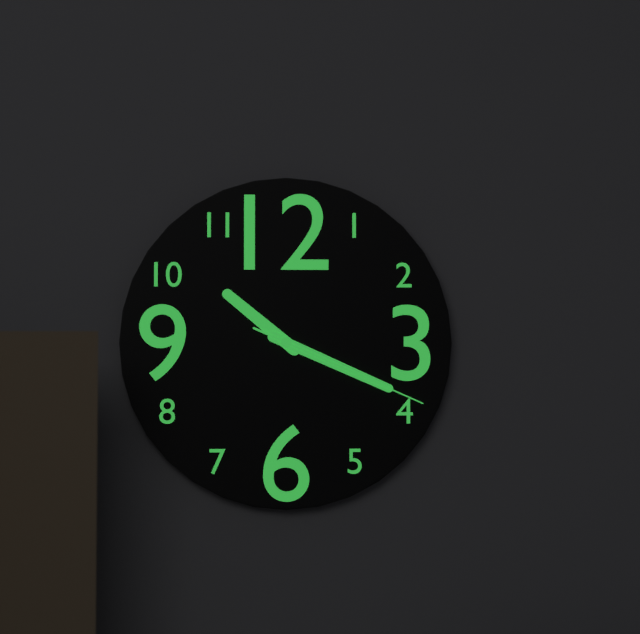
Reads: 10:19:19
